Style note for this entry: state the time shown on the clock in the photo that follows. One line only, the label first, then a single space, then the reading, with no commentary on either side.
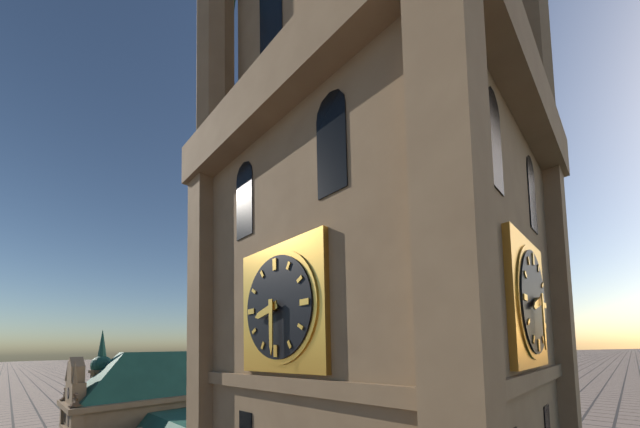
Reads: 8:30
